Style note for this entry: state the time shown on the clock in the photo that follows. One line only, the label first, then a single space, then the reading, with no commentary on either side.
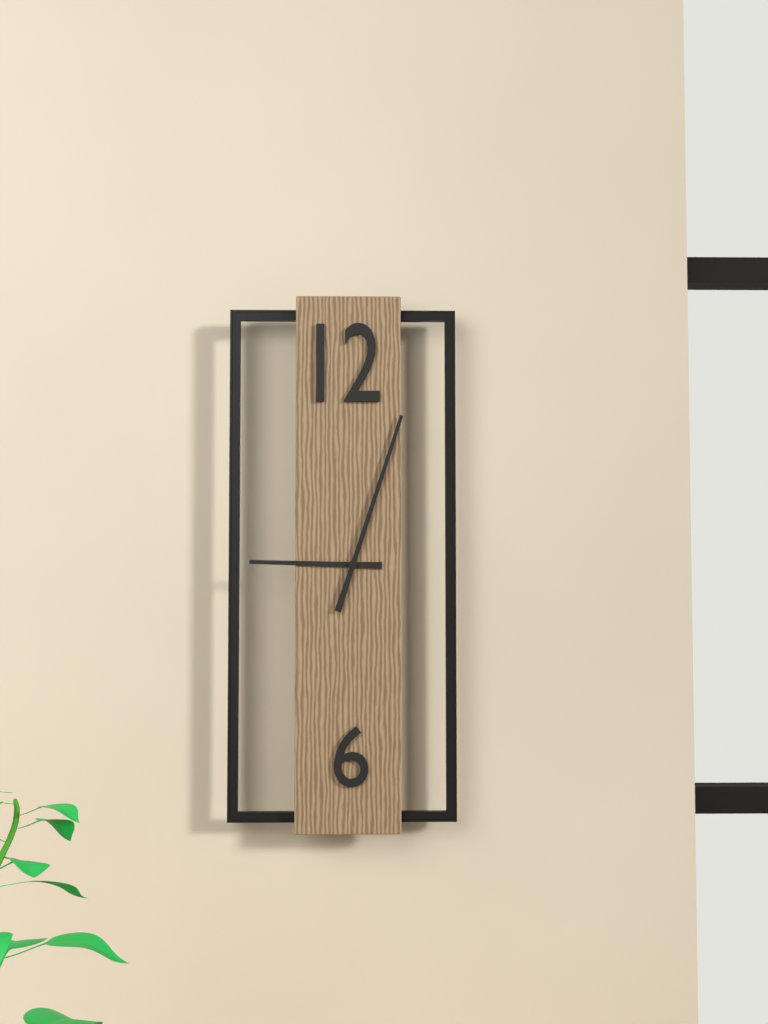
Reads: 9:03
